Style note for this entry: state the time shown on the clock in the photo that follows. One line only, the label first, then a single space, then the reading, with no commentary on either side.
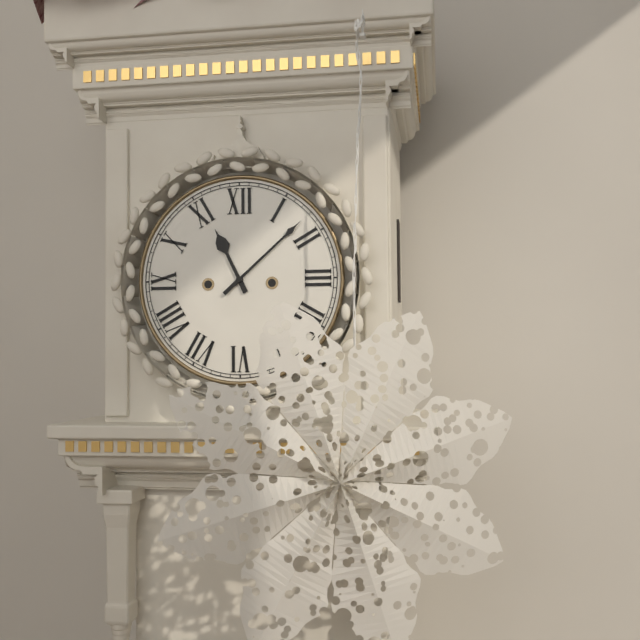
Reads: 11:08
